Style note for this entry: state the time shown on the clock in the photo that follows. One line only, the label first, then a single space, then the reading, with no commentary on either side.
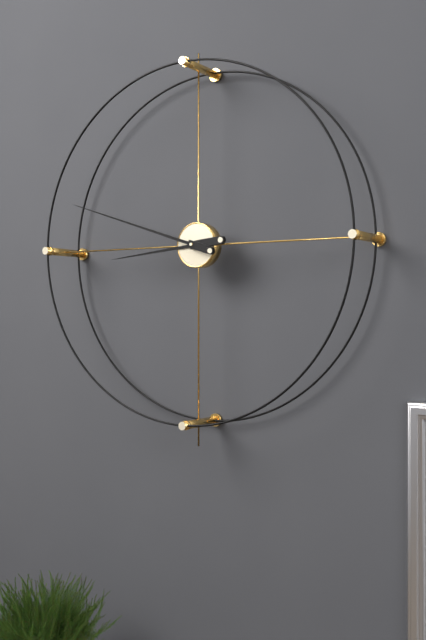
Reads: 8:48
